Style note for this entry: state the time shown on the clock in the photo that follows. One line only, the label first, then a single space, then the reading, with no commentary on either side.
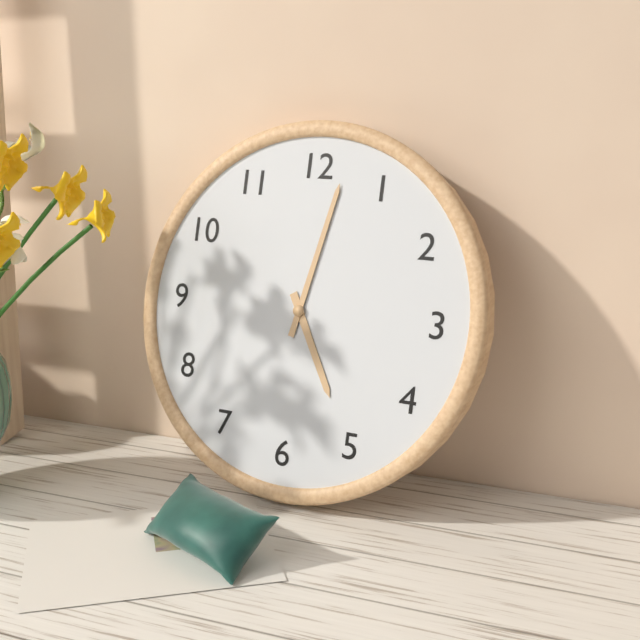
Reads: 5:02
